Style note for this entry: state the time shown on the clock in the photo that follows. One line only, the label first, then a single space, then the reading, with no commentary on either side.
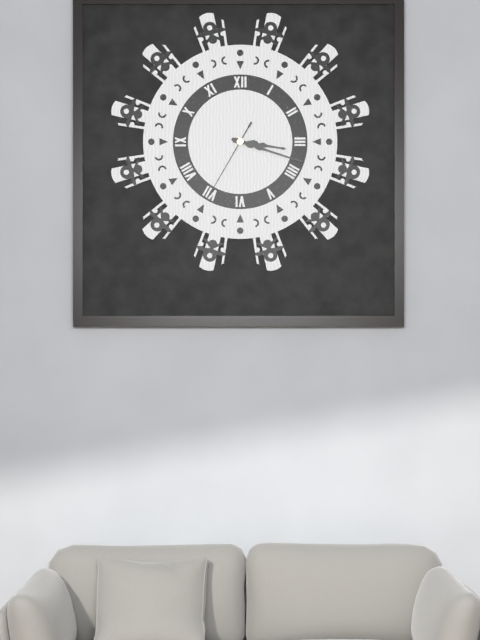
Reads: 3:18:35
